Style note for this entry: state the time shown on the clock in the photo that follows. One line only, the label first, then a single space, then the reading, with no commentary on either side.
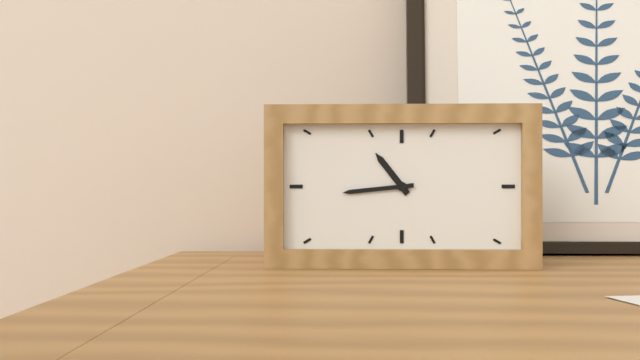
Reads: 10:44
